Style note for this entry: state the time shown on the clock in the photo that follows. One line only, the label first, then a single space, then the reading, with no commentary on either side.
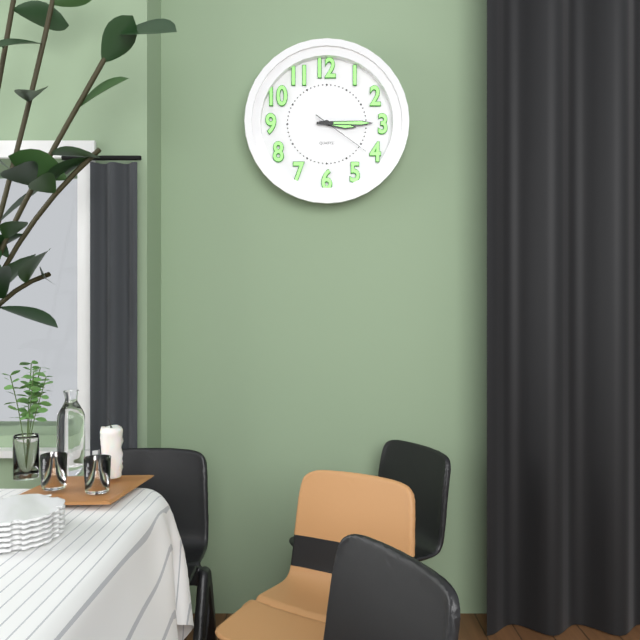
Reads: 3:15:21
